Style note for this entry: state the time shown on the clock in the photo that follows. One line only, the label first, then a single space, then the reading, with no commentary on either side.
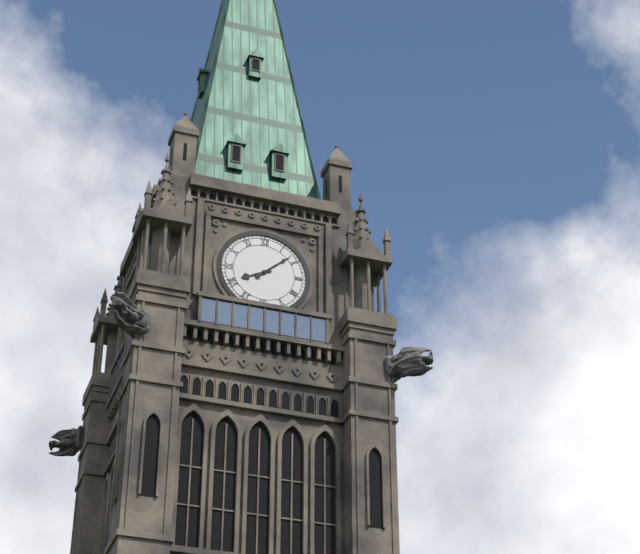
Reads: 8:08
